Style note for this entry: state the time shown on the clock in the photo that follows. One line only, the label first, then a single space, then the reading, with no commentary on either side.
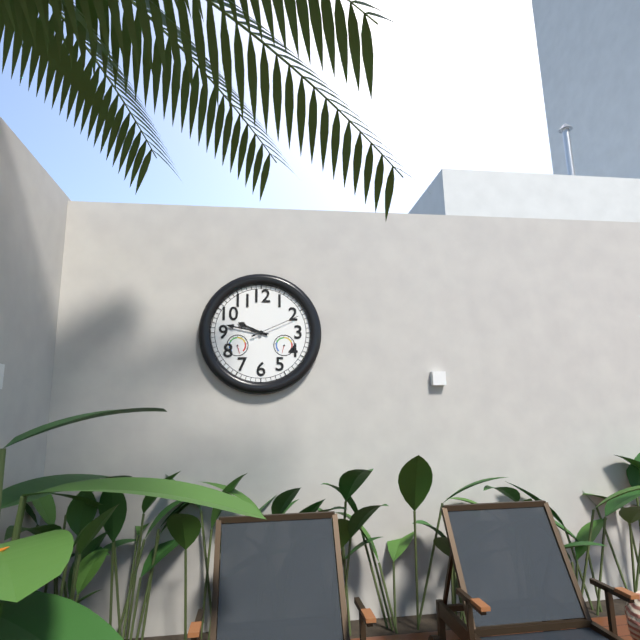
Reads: 9:47:11
